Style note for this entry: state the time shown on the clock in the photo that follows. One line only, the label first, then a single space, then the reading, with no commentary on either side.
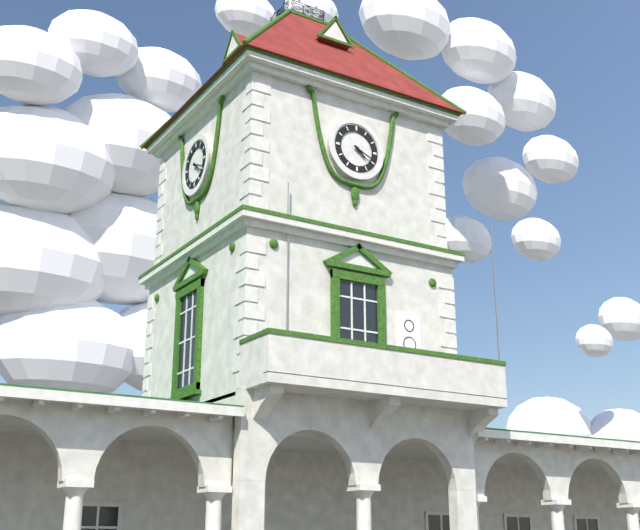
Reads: 4:19
